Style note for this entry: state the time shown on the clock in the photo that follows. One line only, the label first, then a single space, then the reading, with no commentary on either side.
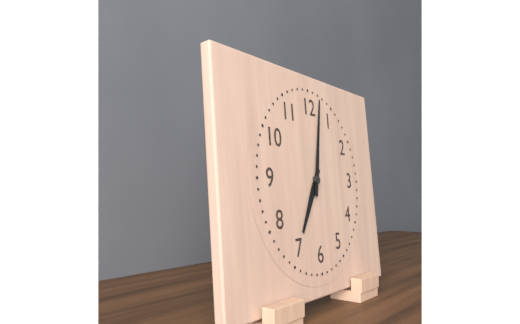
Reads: 7:02
